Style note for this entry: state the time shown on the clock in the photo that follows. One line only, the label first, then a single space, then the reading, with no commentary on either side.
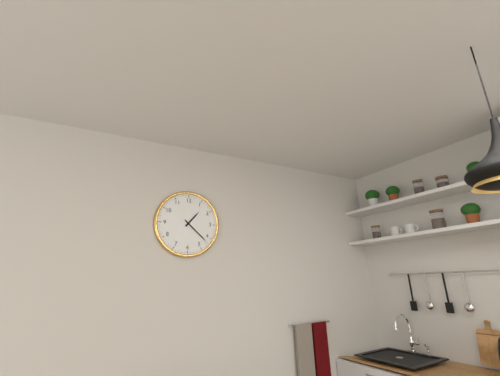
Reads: 1:22
